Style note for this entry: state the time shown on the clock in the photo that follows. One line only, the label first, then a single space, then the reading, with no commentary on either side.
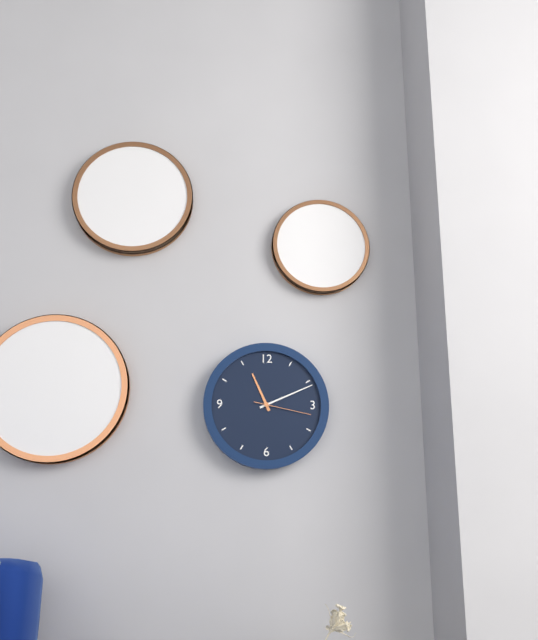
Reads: 11:11:17
